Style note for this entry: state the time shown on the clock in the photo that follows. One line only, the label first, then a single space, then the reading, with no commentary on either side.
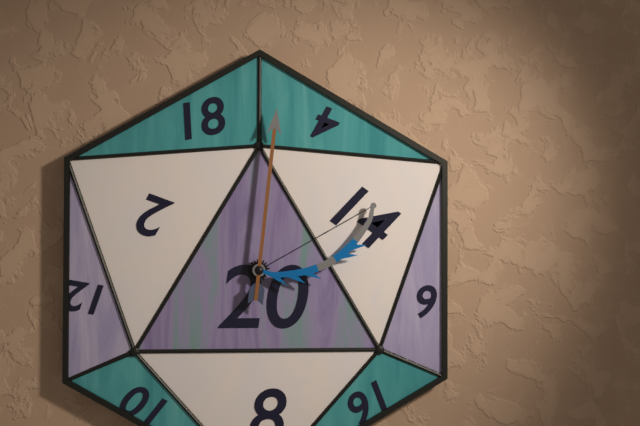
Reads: 2:01
